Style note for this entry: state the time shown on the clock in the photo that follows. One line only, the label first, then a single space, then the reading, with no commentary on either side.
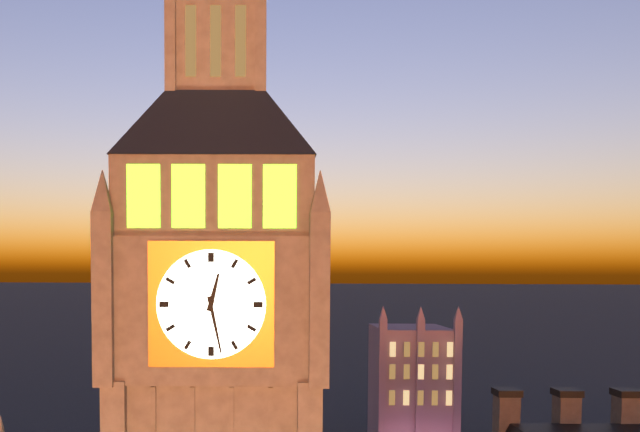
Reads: 12:28
